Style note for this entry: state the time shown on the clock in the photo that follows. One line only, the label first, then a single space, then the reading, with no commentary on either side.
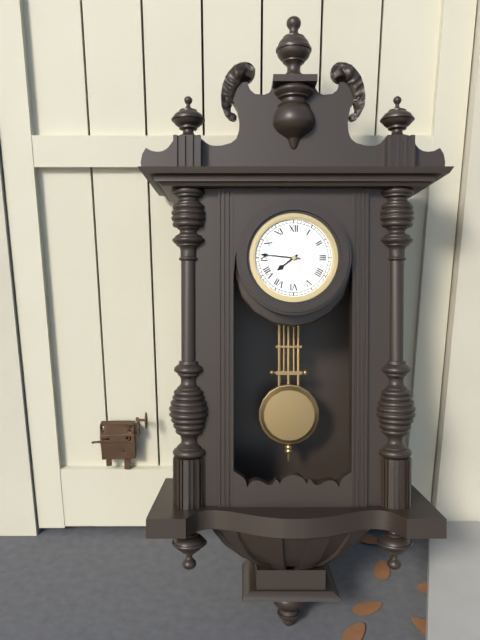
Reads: 7:46
